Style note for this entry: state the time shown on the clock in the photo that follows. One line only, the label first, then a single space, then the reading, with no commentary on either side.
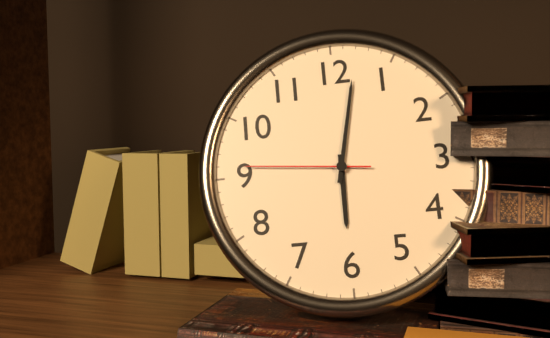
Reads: 6:02:46
